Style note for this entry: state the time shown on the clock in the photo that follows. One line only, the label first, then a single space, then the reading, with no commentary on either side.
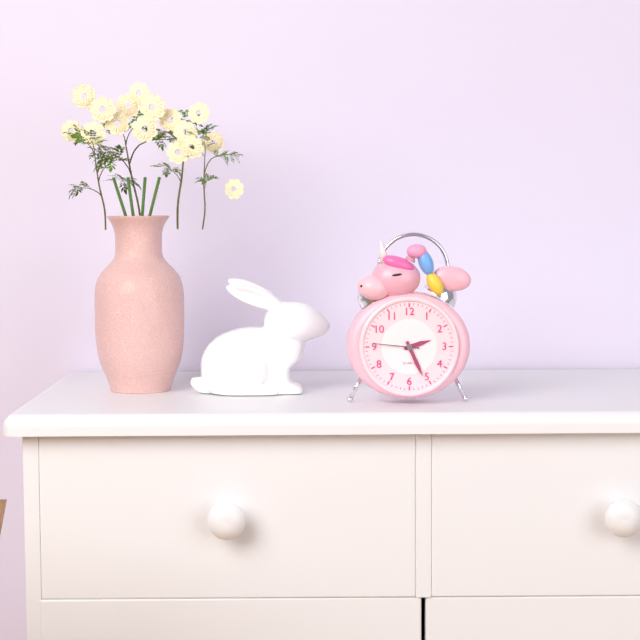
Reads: 2:26
